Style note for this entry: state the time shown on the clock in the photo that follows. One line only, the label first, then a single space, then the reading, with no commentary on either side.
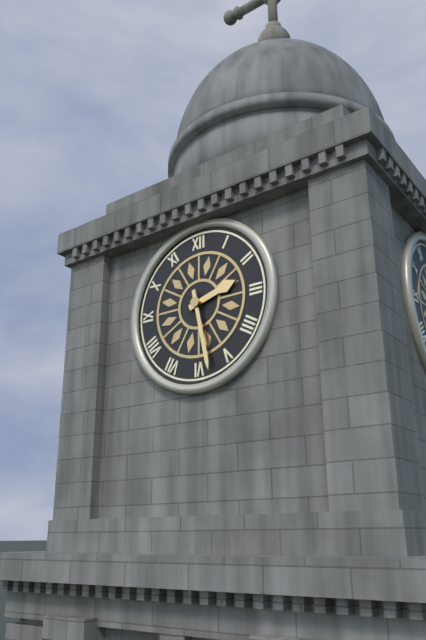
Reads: 2:28
